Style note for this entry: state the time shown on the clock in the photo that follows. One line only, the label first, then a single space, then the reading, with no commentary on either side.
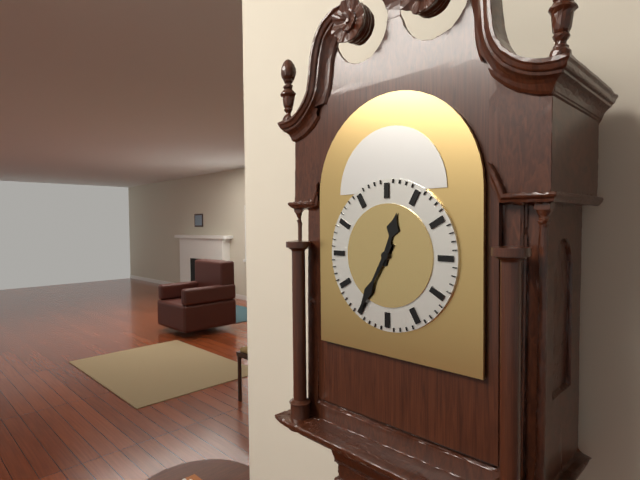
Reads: 12:35
